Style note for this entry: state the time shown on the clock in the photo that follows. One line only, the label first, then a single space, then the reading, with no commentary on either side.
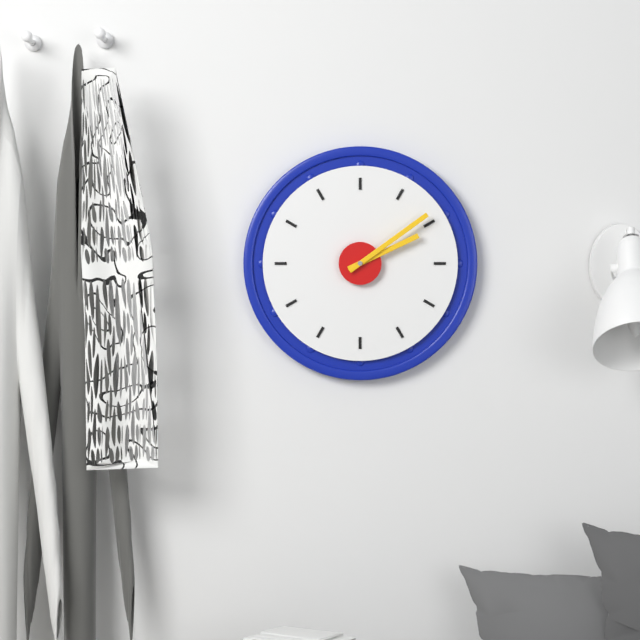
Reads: 2:09
